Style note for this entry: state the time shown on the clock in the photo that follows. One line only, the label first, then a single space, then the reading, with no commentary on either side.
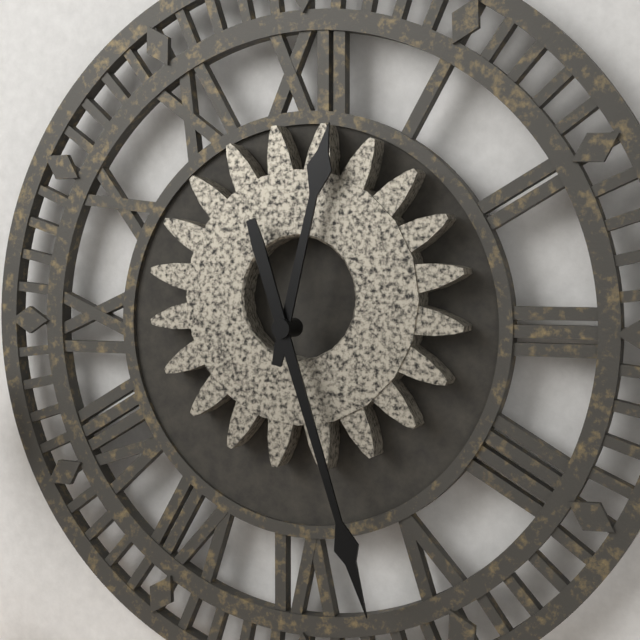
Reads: 12:27
